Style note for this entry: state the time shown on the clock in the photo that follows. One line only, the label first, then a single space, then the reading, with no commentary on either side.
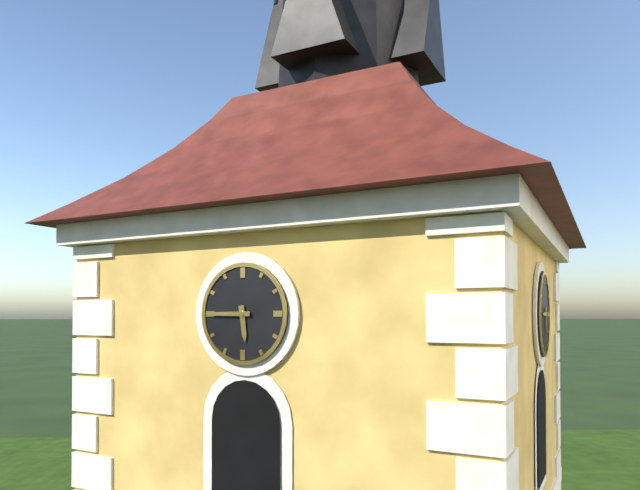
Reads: 5:45
